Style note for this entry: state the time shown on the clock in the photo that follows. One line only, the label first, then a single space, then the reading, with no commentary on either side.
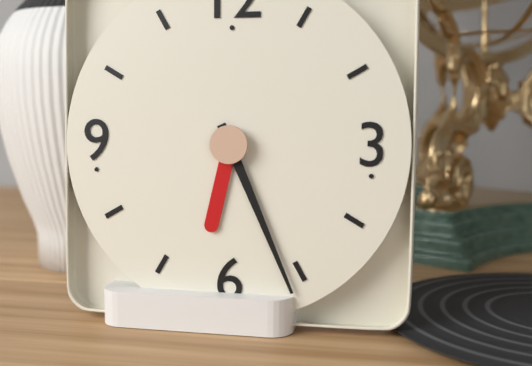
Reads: 6:26
